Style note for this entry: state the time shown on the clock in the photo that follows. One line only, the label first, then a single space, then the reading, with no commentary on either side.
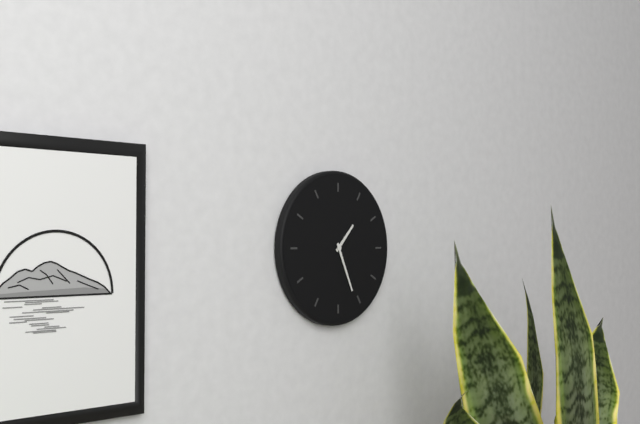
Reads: 1:26
